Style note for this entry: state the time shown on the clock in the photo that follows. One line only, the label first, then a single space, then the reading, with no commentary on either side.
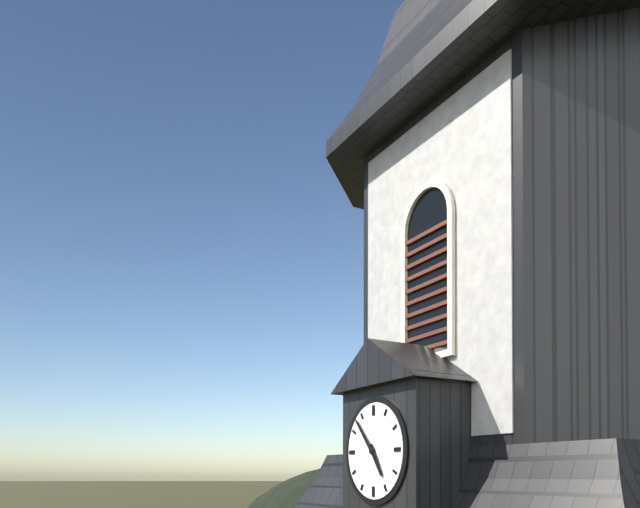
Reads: 4:53
